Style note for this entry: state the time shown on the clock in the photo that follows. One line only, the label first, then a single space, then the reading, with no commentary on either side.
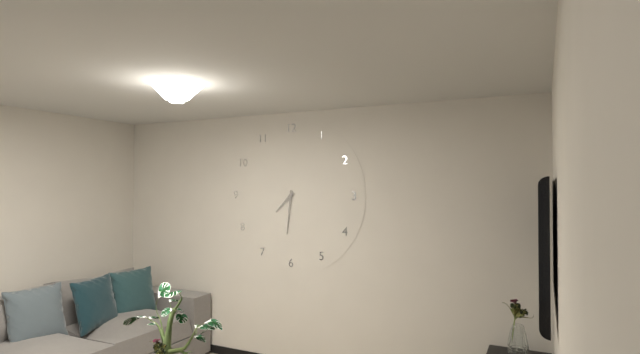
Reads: 7:31
